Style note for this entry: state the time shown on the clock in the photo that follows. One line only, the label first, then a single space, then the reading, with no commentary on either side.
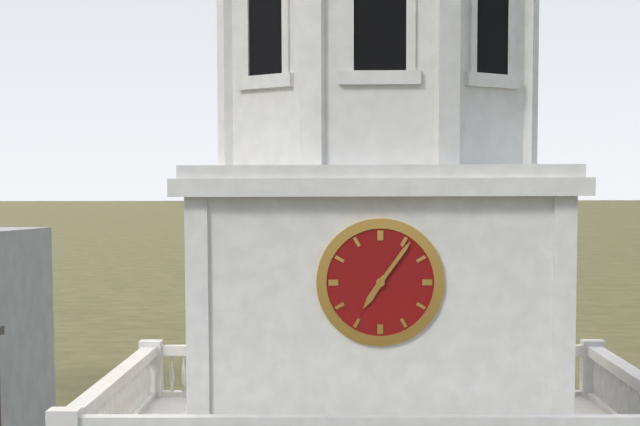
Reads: 7:06
